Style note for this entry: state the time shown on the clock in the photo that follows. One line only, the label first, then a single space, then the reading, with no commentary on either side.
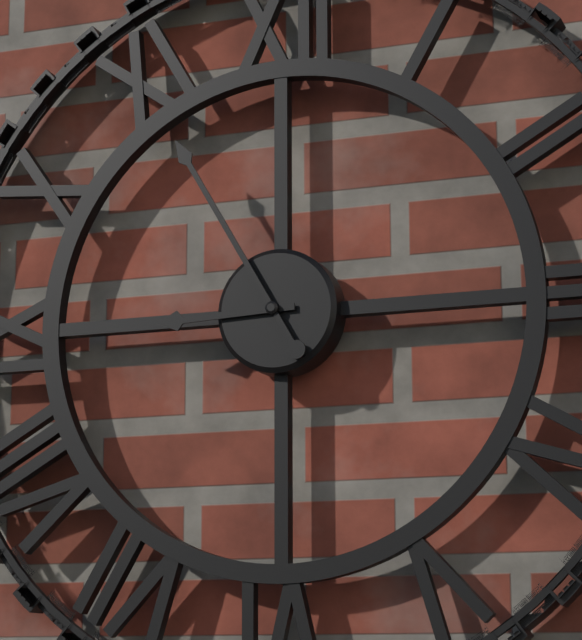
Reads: 8:55
